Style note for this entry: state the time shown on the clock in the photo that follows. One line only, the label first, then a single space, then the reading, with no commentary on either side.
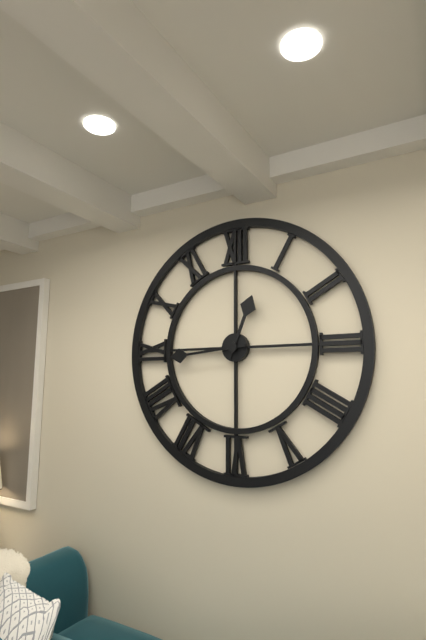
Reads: 12:44
